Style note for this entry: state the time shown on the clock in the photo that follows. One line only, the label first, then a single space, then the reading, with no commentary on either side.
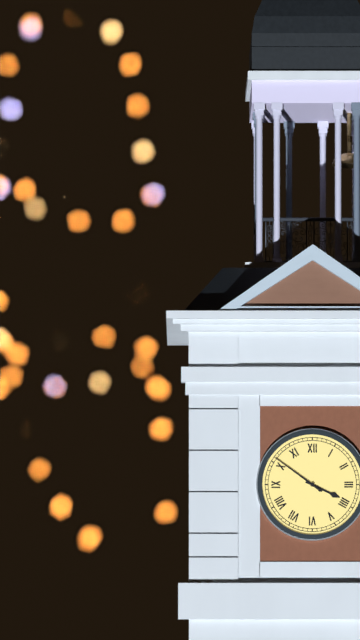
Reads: 3:51
